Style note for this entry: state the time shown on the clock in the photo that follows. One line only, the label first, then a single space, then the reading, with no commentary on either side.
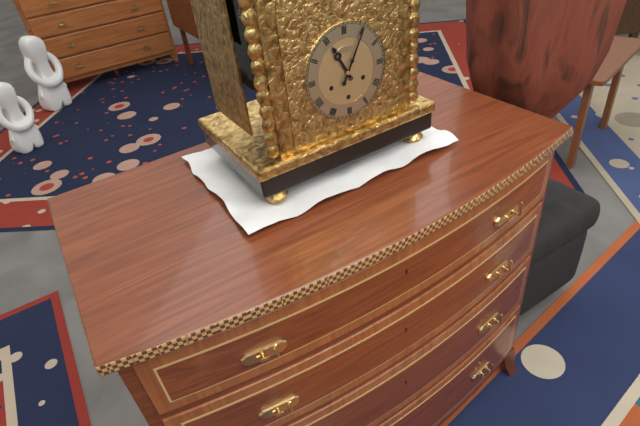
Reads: 11:05
